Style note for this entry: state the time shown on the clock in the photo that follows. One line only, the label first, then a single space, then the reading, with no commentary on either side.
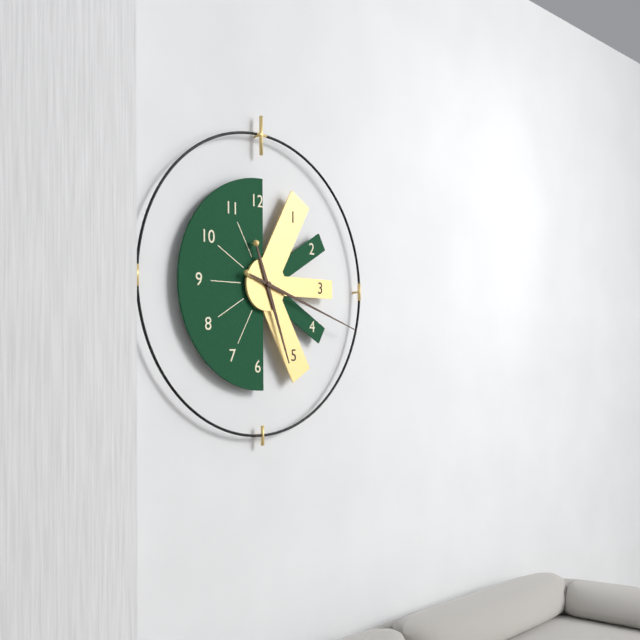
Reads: 5:18
